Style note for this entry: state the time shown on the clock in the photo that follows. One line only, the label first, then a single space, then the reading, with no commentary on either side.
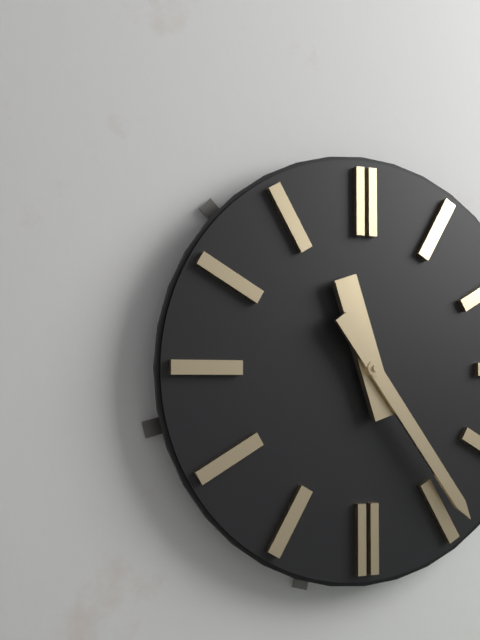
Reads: 11:24
